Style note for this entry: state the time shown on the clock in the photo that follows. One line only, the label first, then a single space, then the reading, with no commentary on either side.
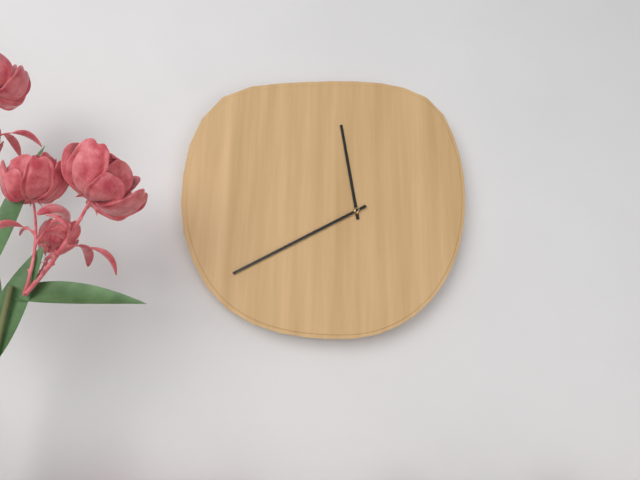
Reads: 11:40
